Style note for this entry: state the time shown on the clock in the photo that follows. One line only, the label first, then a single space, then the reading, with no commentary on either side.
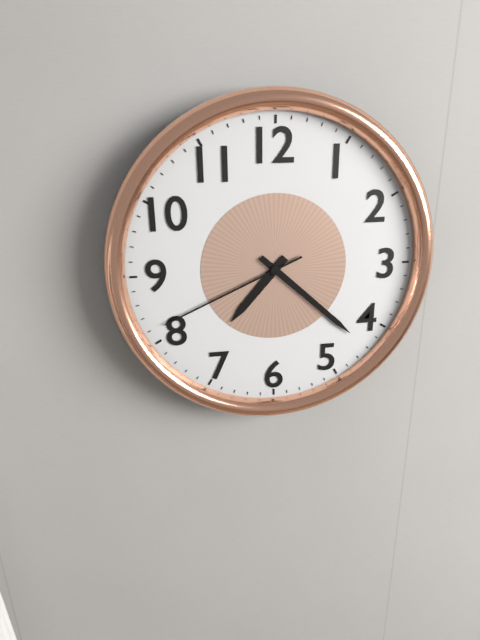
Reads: 7:22:41
